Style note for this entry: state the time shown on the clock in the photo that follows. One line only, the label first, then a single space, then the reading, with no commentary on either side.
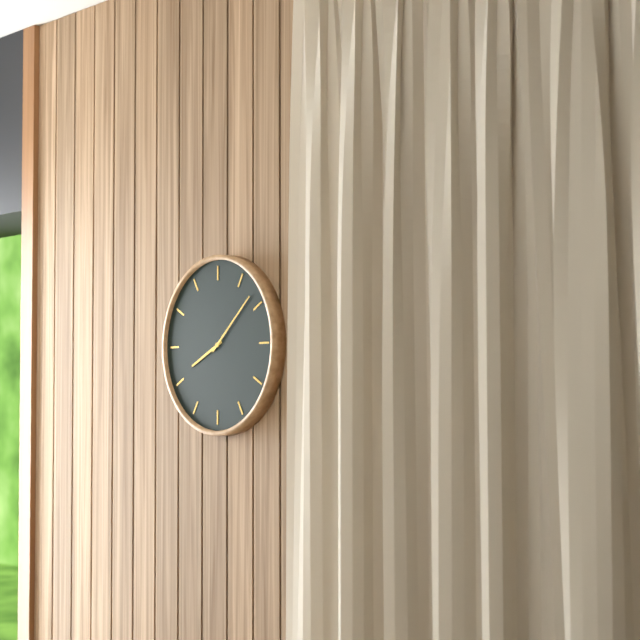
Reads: 8:08
